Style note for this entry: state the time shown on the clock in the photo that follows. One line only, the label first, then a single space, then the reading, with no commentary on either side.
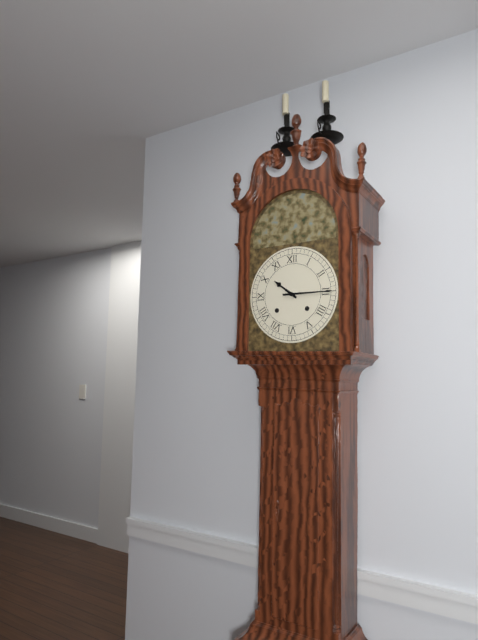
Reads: 10:15
